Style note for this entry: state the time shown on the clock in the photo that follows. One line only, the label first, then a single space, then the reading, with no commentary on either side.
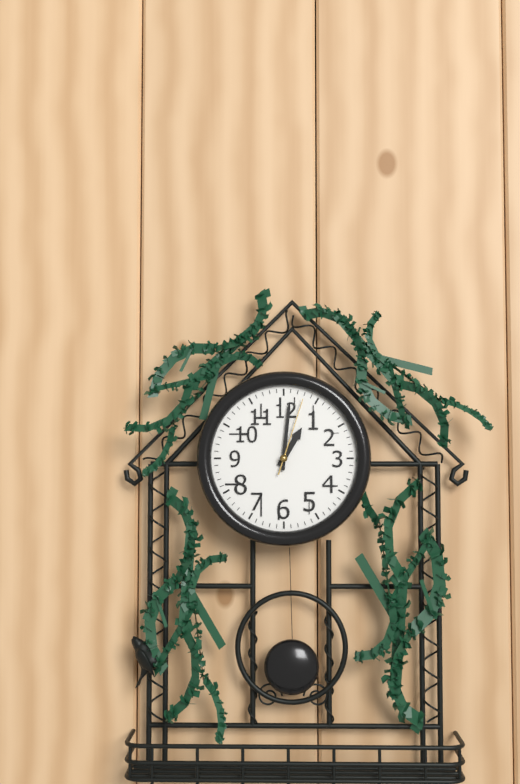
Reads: 1:01:03
